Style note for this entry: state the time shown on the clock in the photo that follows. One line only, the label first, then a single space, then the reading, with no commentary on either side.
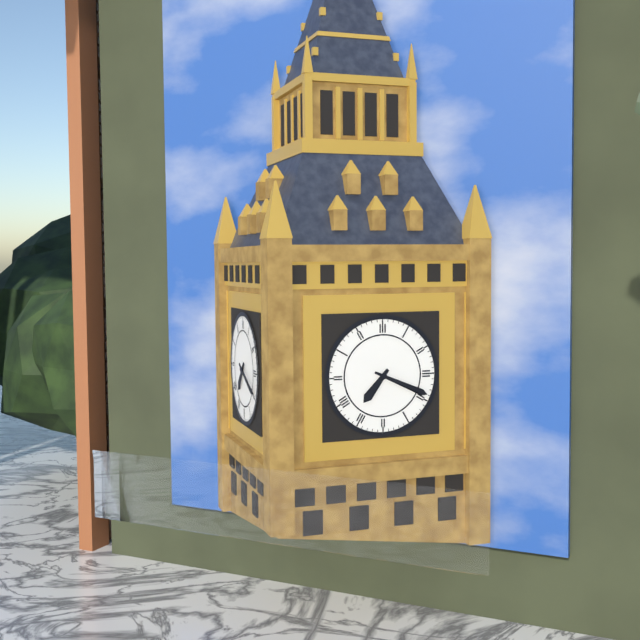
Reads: 7:19
